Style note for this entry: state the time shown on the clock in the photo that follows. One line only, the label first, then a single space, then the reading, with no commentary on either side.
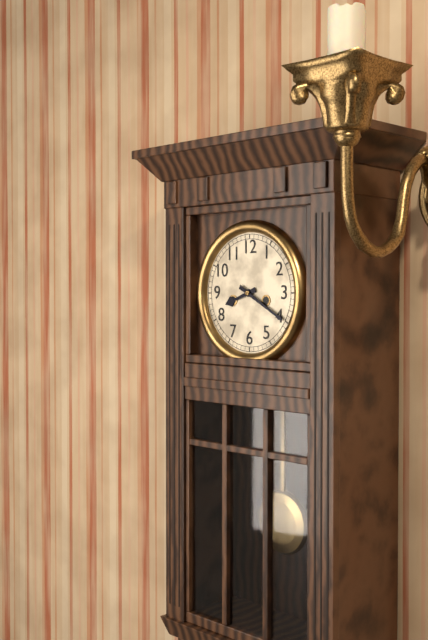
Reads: 8:20
